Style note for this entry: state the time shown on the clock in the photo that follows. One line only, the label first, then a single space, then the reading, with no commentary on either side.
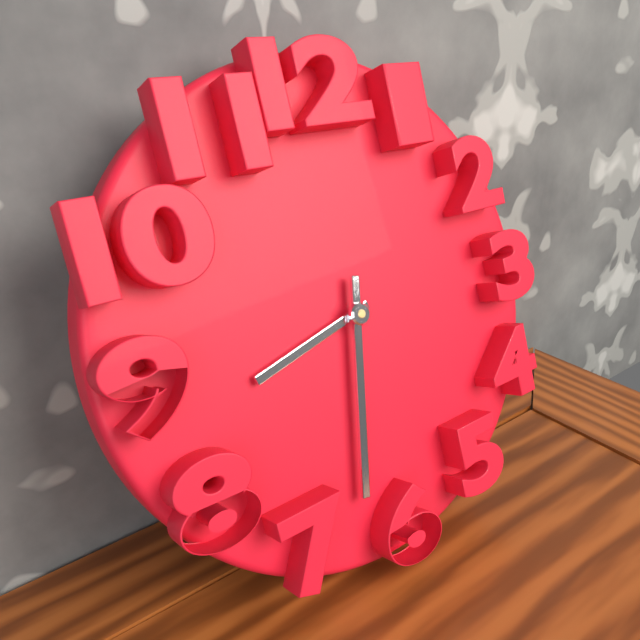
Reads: 8:32
